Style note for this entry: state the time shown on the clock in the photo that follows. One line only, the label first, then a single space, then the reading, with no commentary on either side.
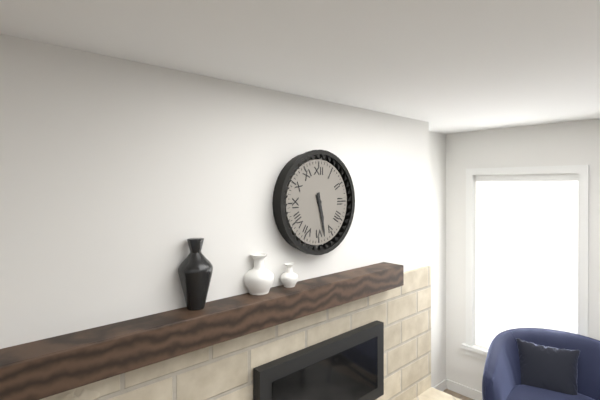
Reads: 5:28
